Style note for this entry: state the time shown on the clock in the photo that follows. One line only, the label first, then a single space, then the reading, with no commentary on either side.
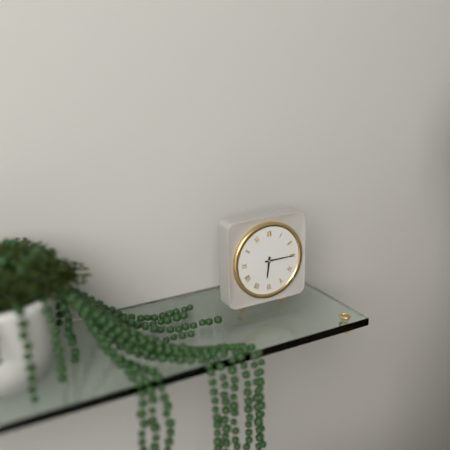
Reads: 6:15
